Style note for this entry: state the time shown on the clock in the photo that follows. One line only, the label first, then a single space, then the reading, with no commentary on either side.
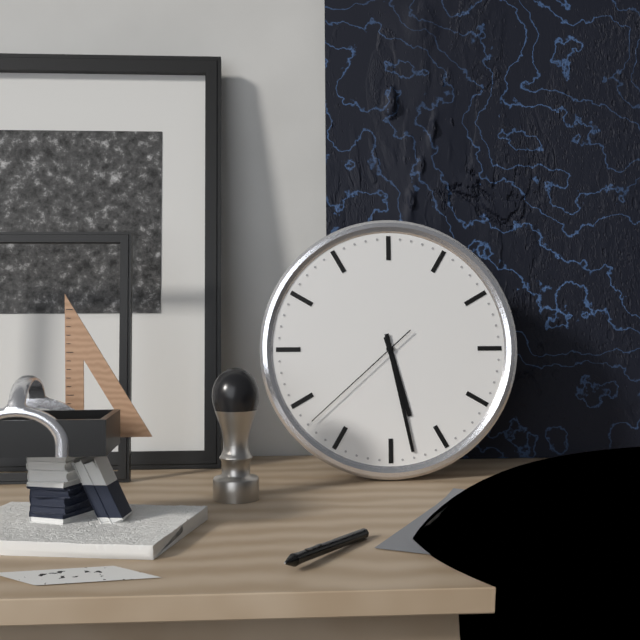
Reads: 5:28:38
